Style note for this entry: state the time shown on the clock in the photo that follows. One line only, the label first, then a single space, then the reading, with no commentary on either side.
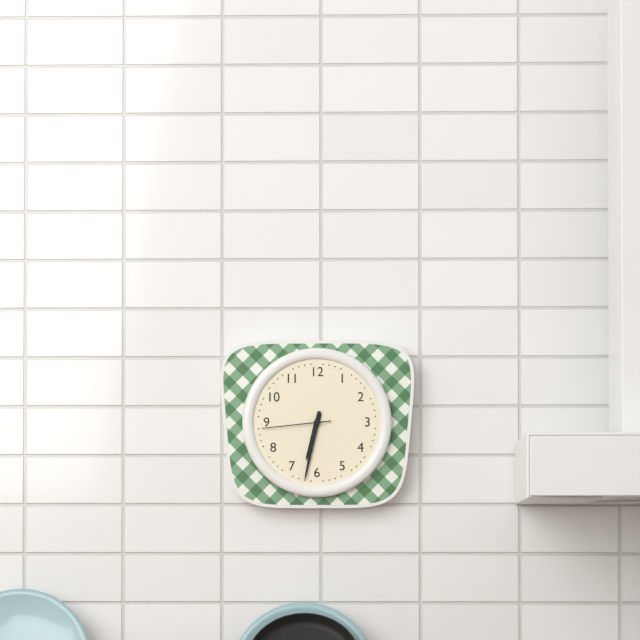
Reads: 6:32:44
